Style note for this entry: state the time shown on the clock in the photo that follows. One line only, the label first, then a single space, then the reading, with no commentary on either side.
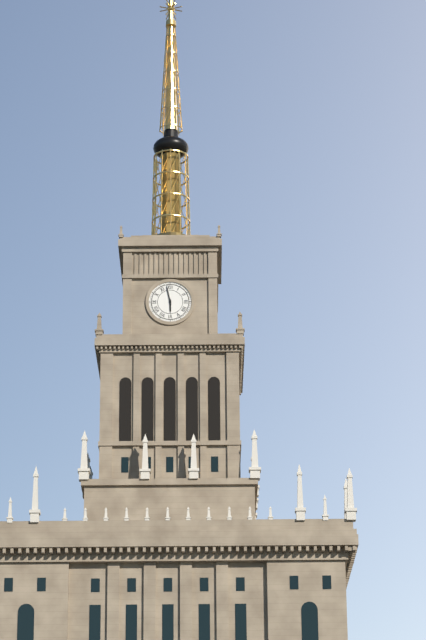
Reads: 5:58
